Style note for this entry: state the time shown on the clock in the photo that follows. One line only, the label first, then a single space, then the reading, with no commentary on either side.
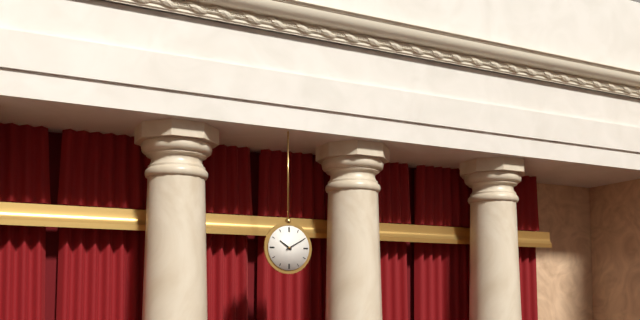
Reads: 10:10
